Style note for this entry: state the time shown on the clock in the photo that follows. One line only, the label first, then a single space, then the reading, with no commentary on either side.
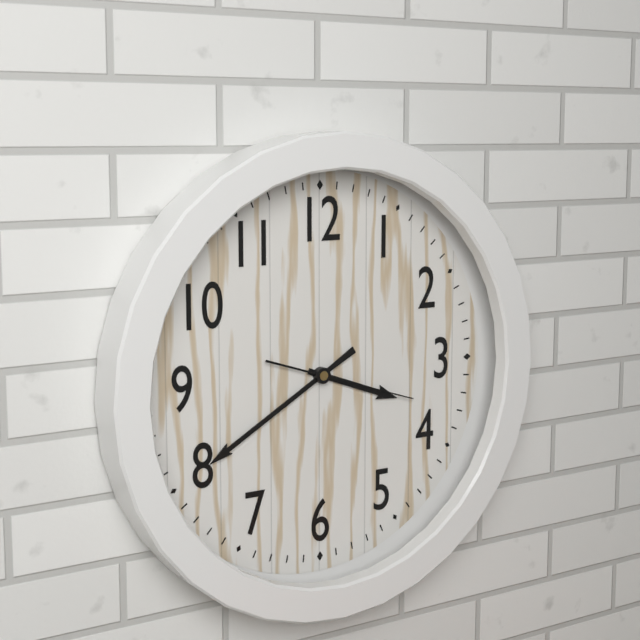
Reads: 3:40:18
